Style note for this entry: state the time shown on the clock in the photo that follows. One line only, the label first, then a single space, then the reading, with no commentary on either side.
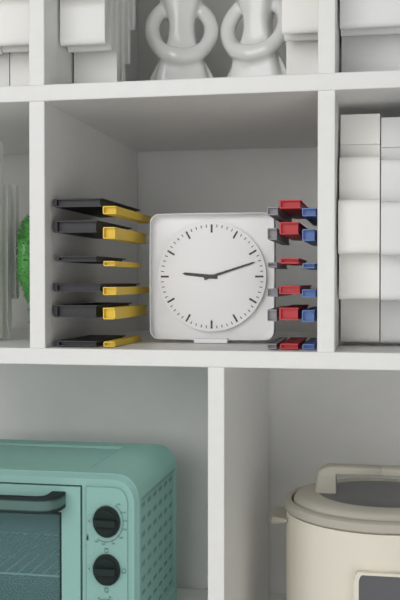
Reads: 9:12
